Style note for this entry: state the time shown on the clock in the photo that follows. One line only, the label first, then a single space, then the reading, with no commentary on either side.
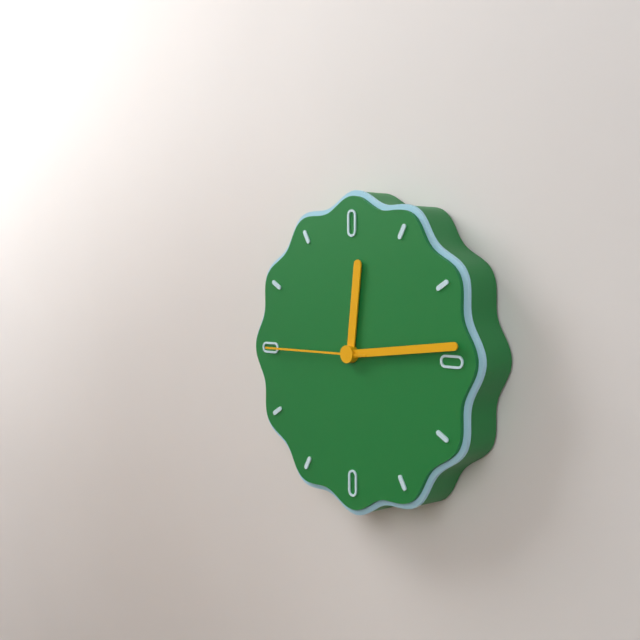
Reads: 12:14:45
